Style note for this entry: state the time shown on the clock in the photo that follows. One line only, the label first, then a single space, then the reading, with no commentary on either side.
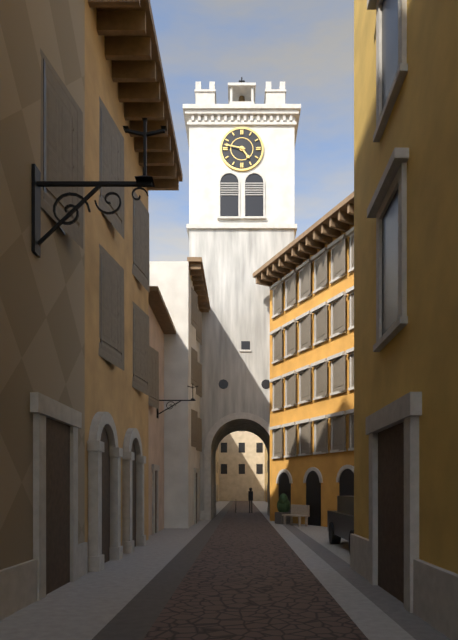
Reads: 4:47
